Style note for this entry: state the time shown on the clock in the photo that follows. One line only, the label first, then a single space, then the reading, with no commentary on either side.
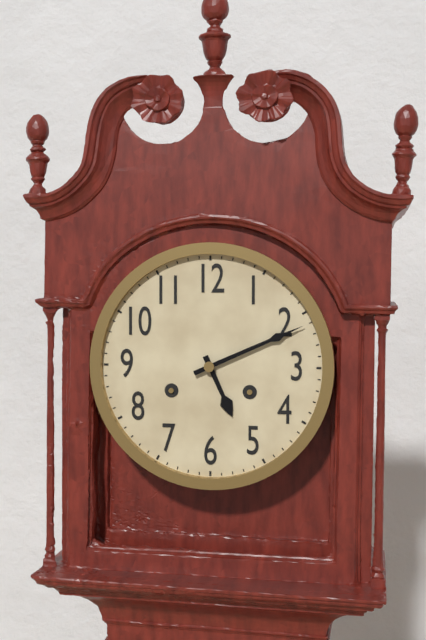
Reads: 5:11
